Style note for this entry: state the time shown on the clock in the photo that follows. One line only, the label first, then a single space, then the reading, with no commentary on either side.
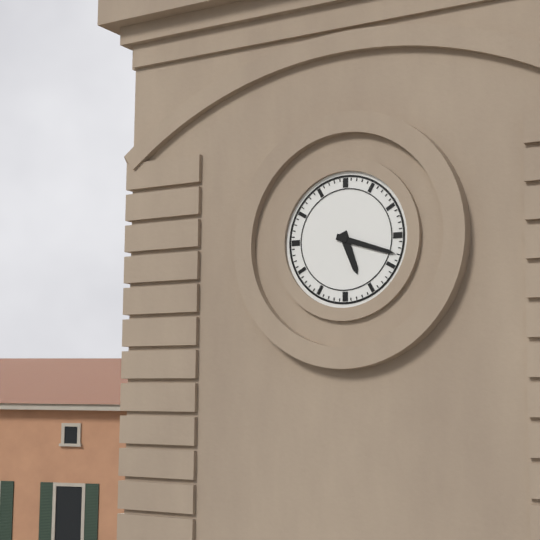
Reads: 5:18
